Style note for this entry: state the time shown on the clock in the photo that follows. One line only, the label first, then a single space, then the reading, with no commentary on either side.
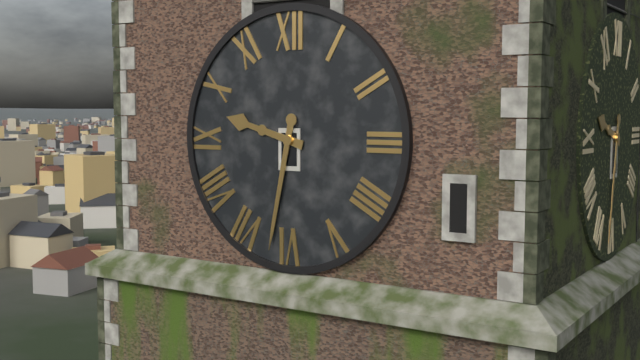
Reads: 9:32
